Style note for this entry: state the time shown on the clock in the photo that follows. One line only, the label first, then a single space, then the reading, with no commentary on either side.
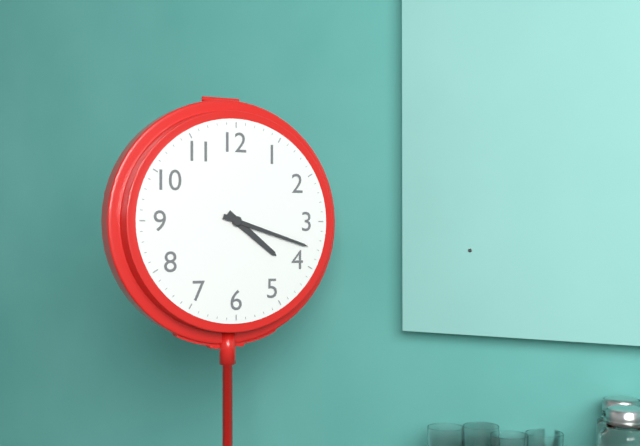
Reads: 4:18
